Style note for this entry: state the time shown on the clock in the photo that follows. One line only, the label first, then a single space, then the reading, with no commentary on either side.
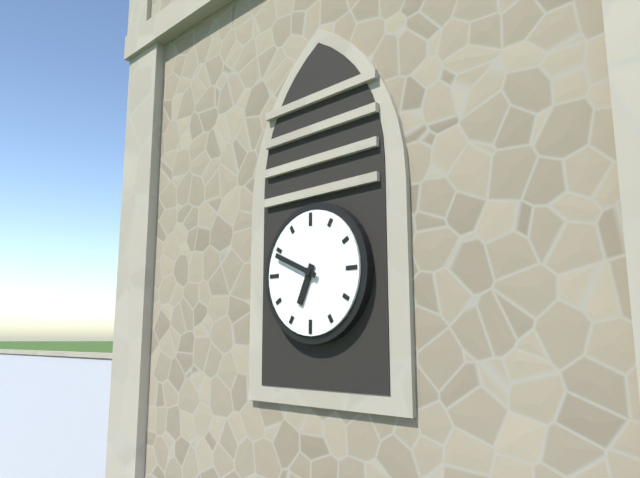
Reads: 6:49
